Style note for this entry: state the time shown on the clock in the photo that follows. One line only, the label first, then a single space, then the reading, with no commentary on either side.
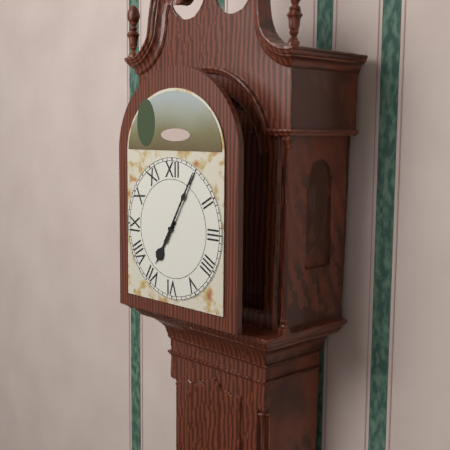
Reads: 7:05
